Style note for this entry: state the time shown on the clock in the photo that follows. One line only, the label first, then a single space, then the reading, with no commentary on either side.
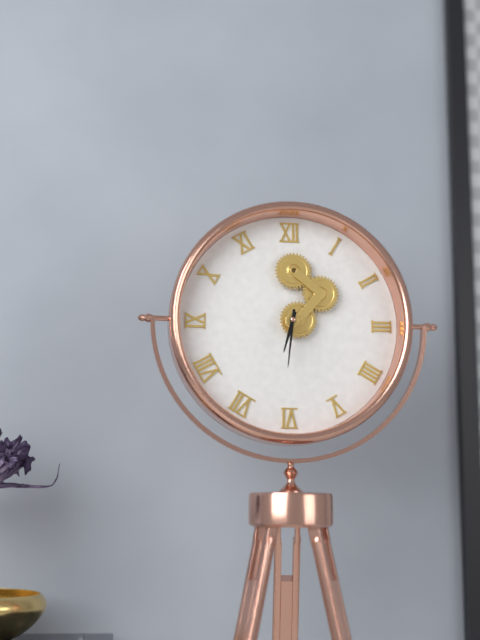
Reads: 6:31
